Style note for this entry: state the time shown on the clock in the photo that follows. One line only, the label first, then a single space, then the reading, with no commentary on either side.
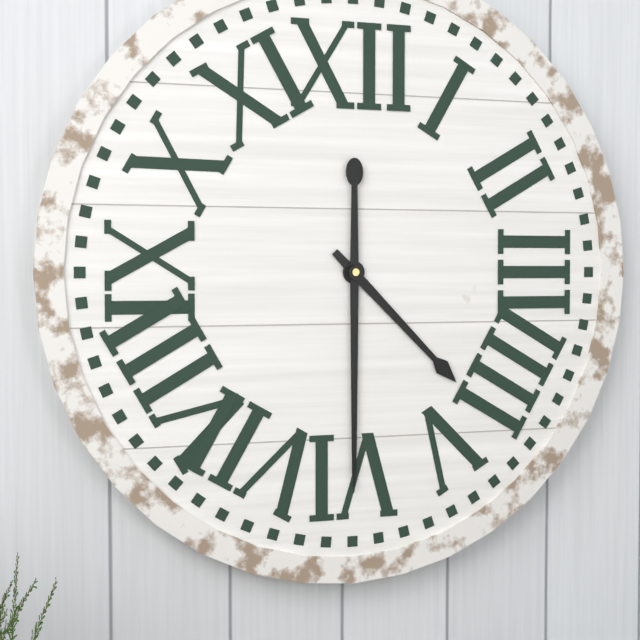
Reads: 4:30
